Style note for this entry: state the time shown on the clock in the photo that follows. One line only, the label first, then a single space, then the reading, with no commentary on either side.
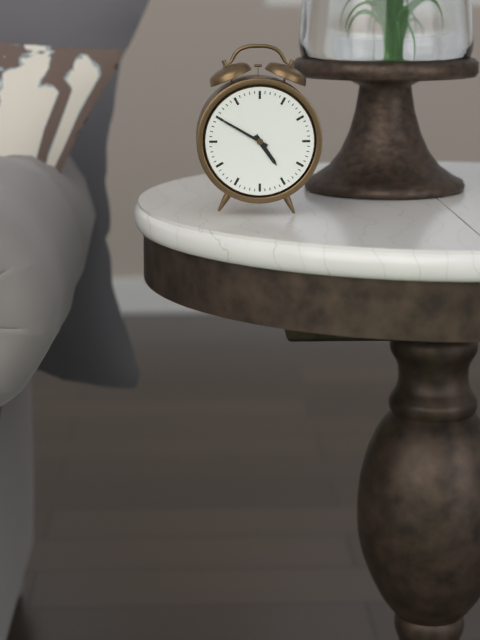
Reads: 4:50
